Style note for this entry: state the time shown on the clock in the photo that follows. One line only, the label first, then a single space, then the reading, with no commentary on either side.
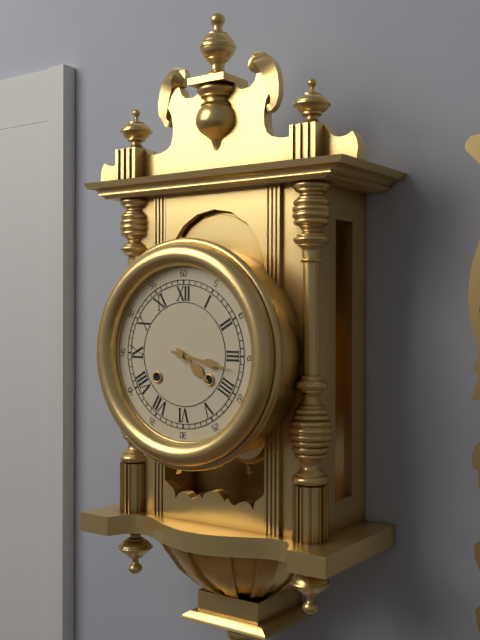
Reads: 4:17
